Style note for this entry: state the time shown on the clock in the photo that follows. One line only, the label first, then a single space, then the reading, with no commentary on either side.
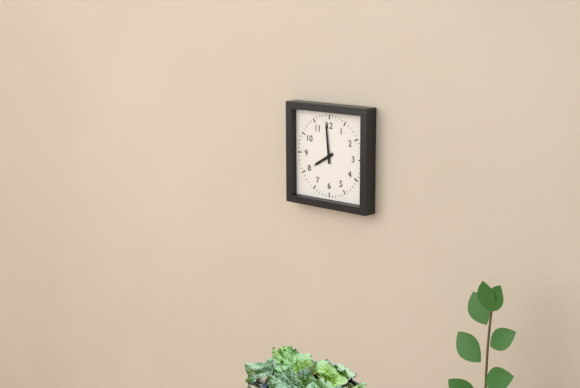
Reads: 7:59
